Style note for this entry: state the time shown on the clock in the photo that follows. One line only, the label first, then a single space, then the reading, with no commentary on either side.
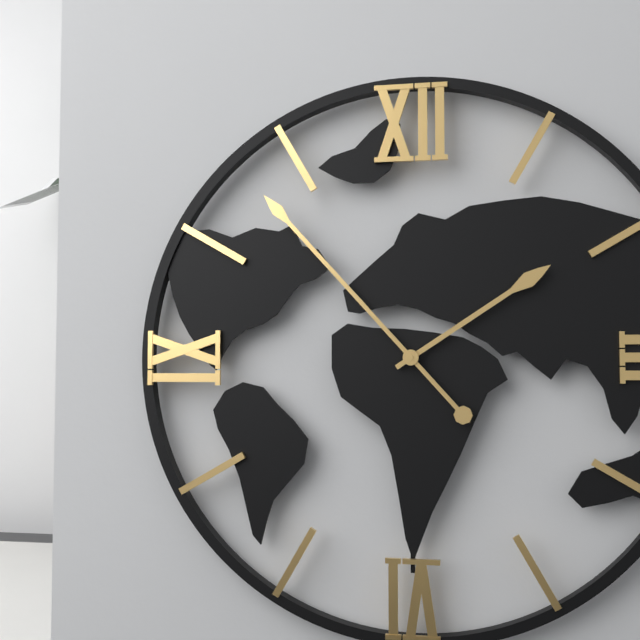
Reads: 1:53
